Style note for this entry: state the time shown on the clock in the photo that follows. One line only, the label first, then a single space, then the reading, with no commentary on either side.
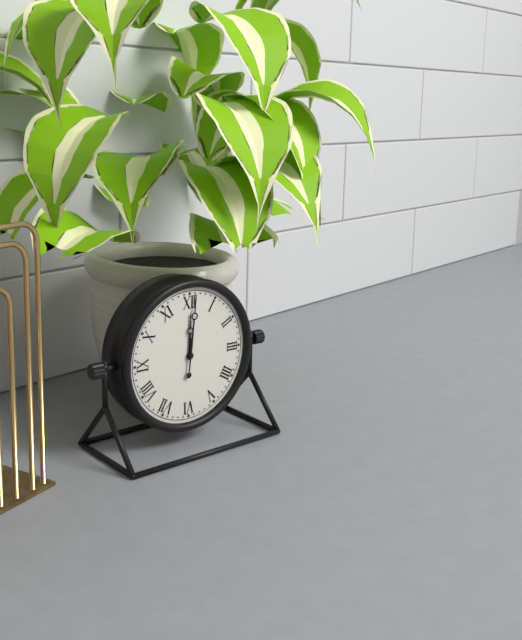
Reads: 12:01
